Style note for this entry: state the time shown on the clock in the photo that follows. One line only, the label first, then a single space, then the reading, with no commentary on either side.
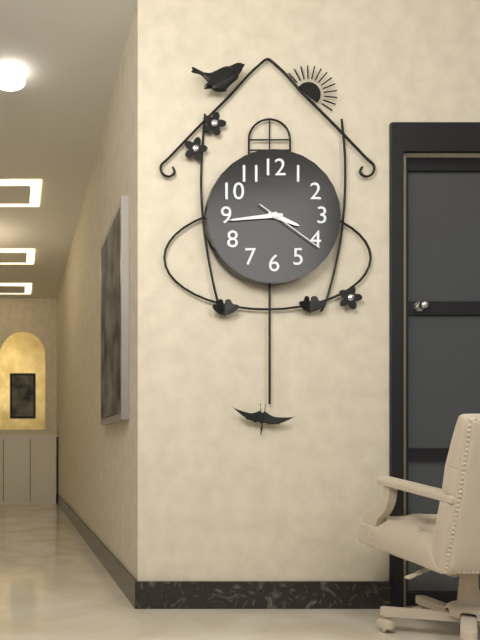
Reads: 3:44:21
